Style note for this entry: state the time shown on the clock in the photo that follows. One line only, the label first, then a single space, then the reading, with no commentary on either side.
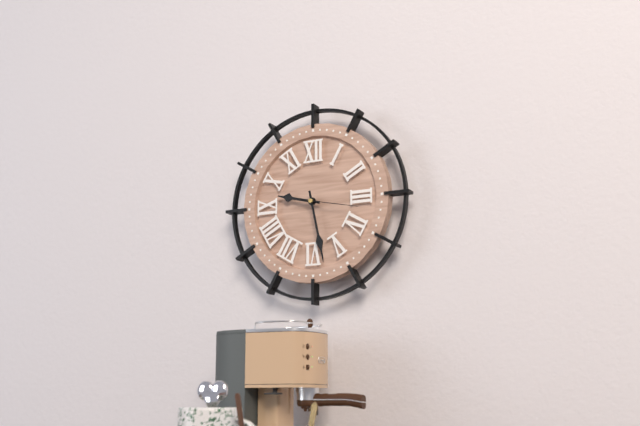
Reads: 9:28:17
